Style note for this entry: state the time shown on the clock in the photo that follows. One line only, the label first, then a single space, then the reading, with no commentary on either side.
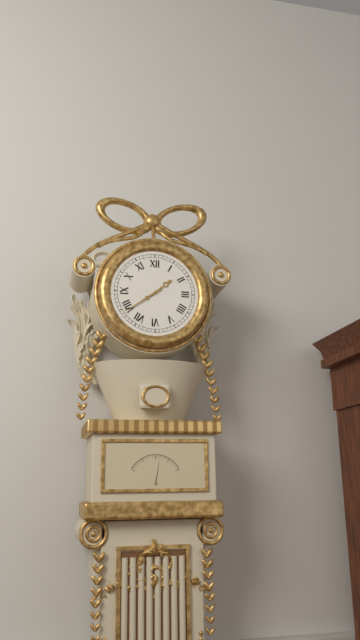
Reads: 1:39
